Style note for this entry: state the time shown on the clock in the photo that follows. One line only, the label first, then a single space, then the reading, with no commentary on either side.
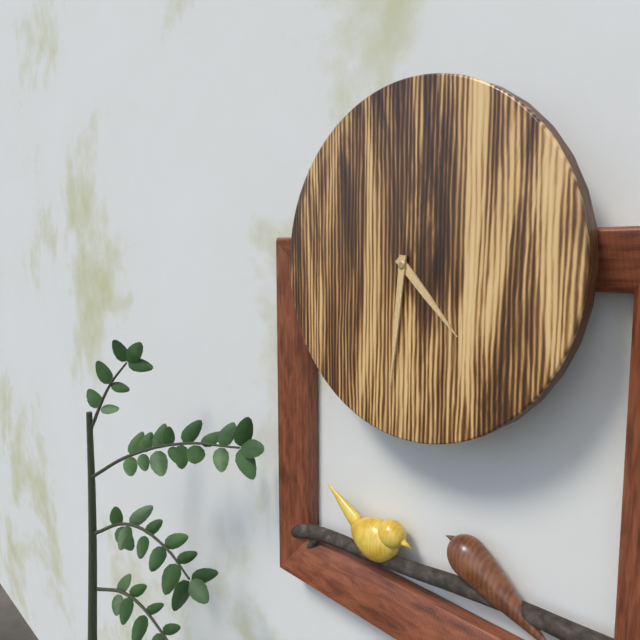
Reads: 4:31
